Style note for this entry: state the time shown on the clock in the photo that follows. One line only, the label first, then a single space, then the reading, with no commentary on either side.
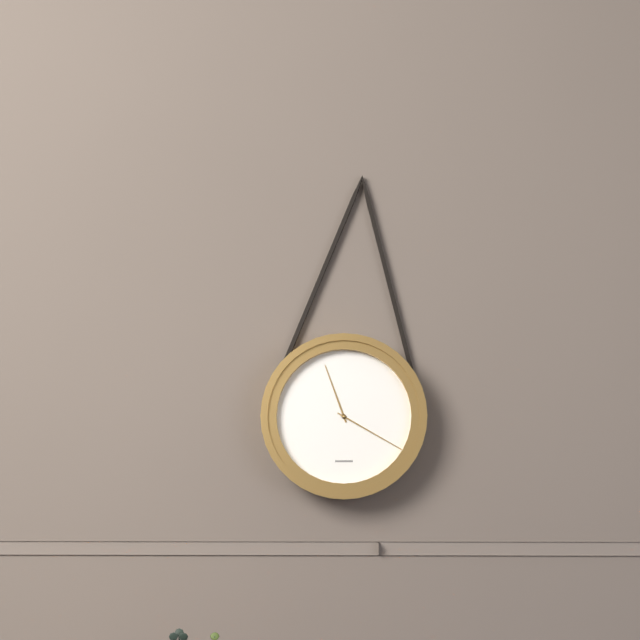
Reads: 11:20
